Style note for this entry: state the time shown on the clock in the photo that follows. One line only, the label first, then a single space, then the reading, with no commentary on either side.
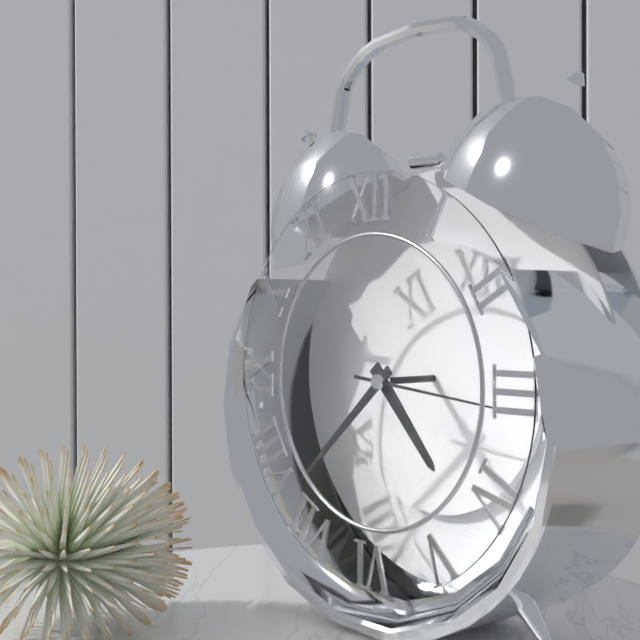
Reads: 4:38:16
